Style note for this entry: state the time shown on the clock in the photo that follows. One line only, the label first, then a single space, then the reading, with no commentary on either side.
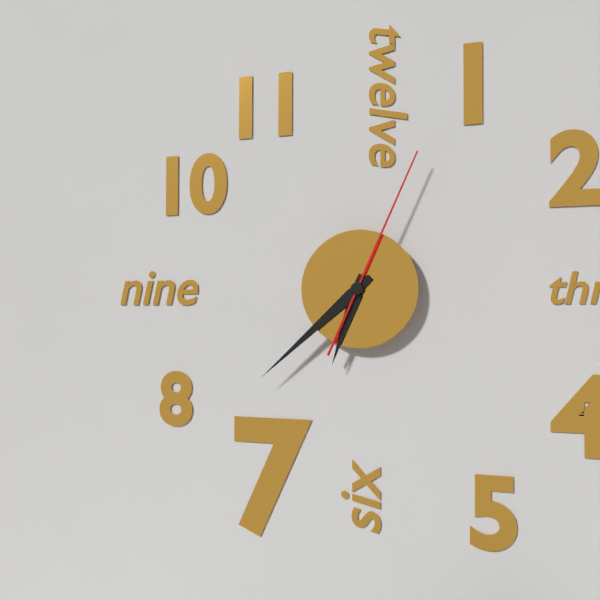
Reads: 6:38:04
